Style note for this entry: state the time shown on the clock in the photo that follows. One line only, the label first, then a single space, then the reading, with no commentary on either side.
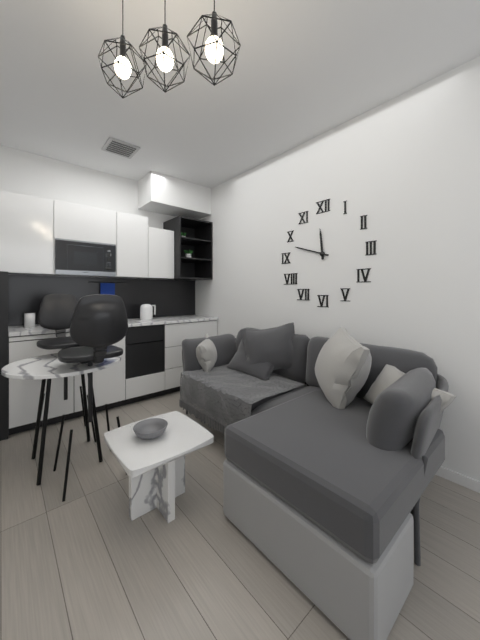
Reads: 11:48
